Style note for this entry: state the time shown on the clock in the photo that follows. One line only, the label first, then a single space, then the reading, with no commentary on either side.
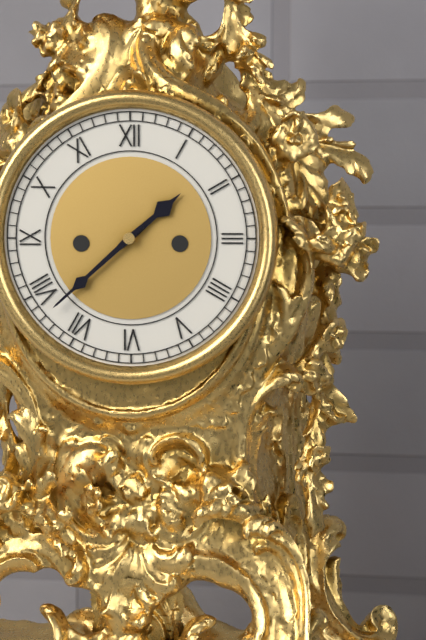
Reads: 1:38
